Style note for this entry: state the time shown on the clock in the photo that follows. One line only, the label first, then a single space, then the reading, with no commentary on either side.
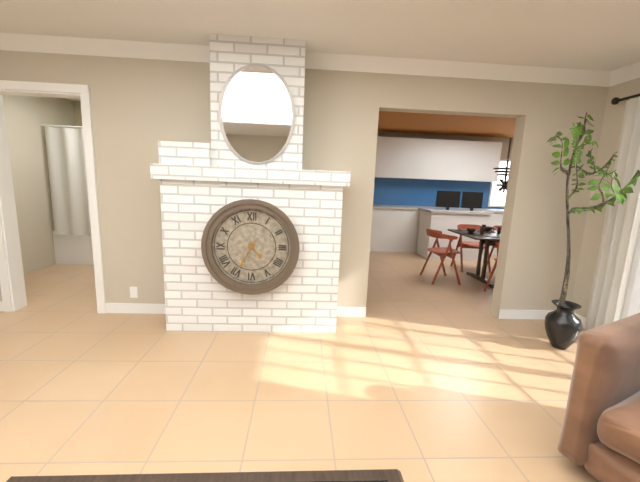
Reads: 4:35
